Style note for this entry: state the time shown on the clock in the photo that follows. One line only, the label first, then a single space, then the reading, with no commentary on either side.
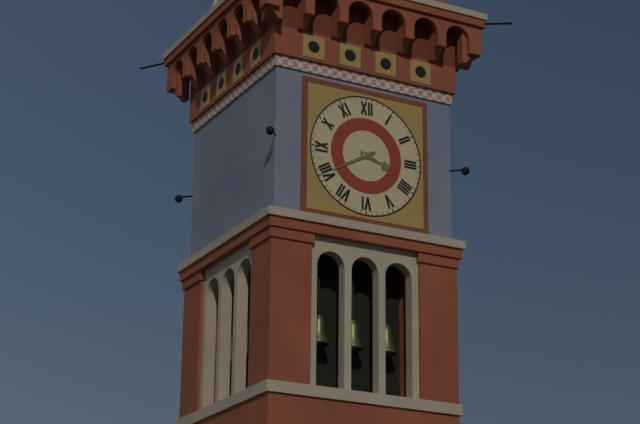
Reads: 3:40
